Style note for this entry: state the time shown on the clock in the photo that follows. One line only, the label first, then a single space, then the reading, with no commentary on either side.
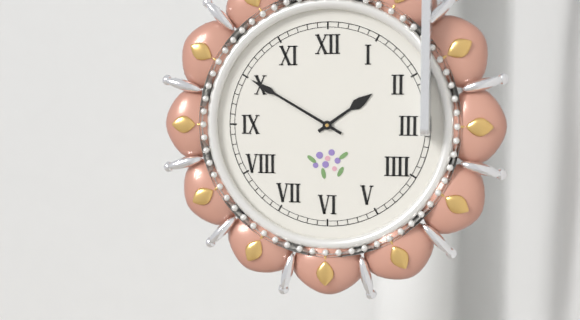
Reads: 1:50
